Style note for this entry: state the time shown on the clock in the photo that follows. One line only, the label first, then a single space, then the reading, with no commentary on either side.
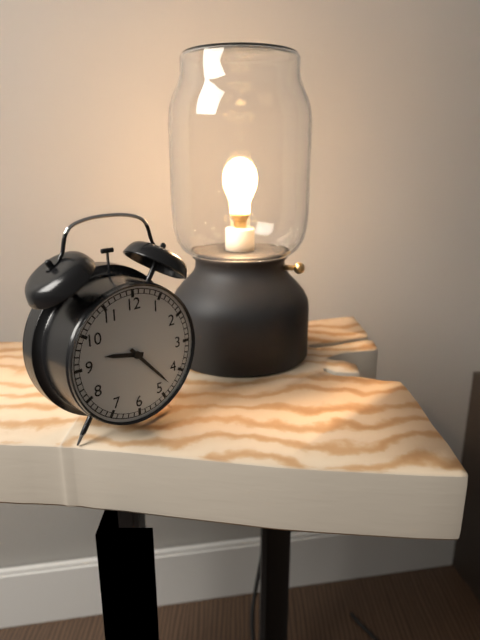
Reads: 9:23
